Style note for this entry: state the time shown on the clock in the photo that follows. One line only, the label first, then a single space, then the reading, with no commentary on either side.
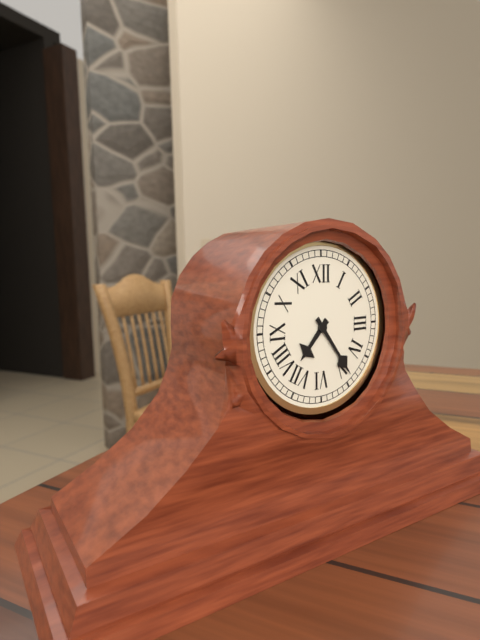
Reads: 7:24
